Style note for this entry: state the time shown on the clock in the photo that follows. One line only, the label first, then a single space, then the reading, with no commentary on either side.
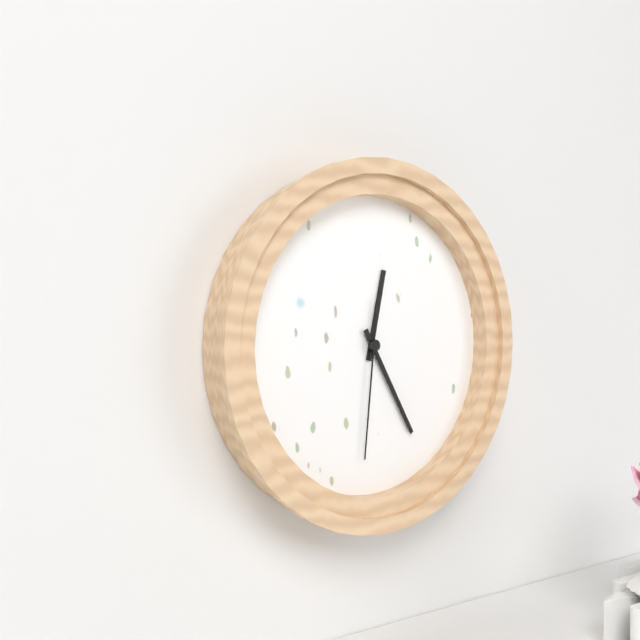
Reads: 12:25:31
